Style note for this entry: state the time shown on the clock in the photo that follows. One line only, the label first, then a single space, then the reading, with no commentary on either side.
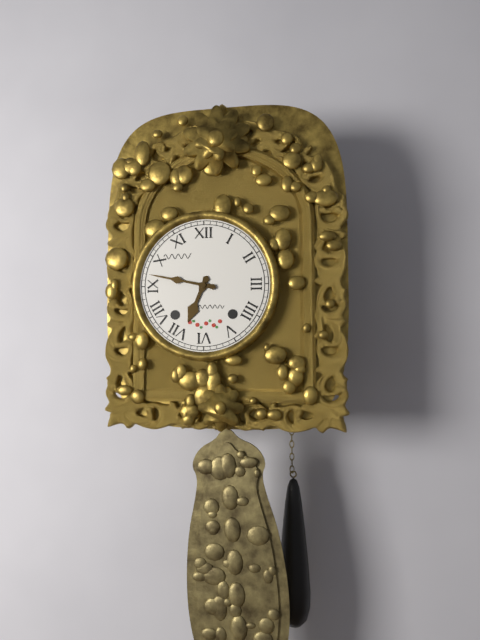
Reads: 6:47
